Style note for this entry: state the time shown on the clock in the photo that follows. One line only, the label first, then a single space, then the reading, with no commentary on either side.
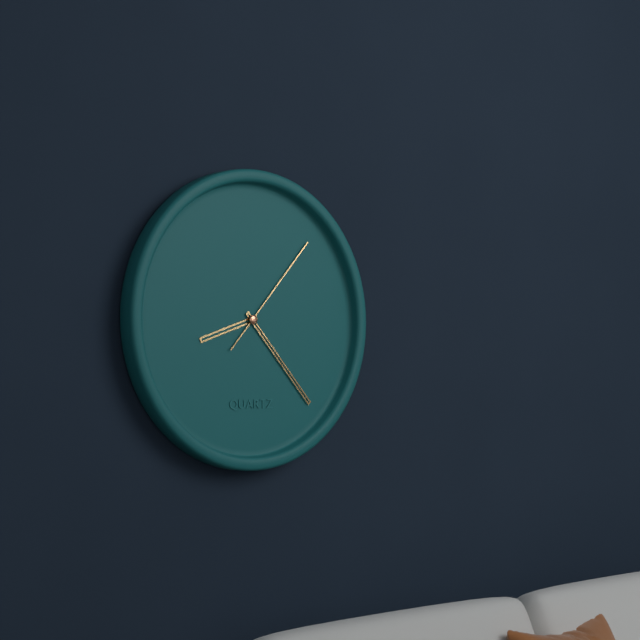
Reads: 8:23:07
